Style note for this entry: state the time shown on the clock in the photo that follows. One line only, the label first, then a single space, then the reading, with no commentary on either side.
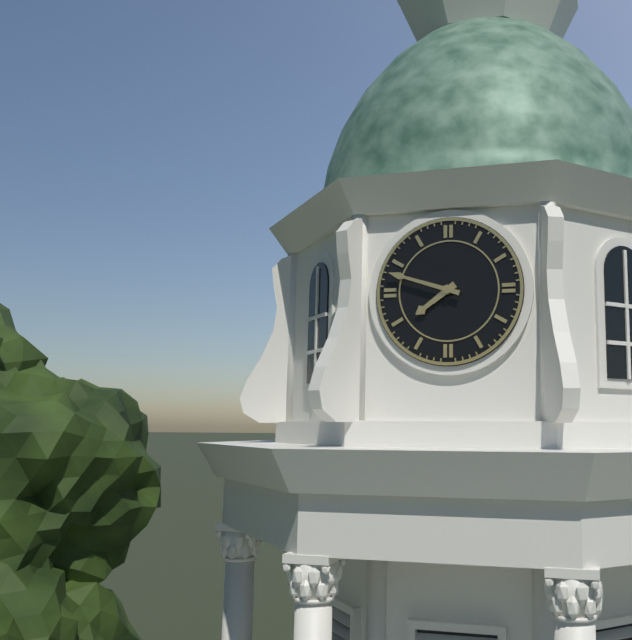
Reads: 7:48
